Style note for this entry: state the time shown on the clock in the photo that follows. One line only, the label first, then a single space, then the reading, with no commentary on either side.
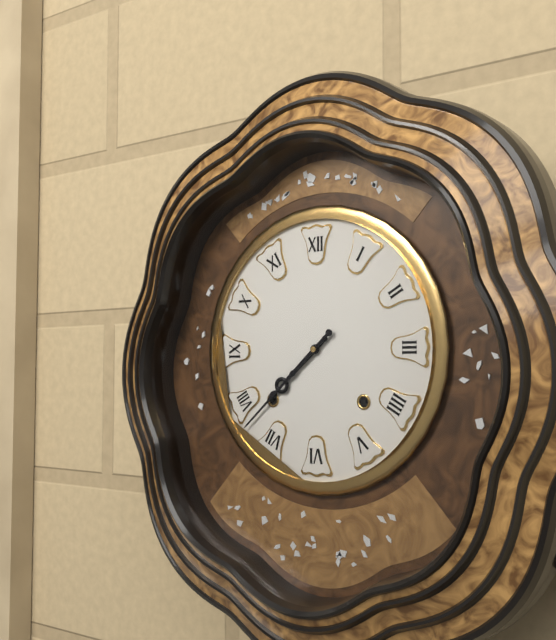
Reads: 7:38
